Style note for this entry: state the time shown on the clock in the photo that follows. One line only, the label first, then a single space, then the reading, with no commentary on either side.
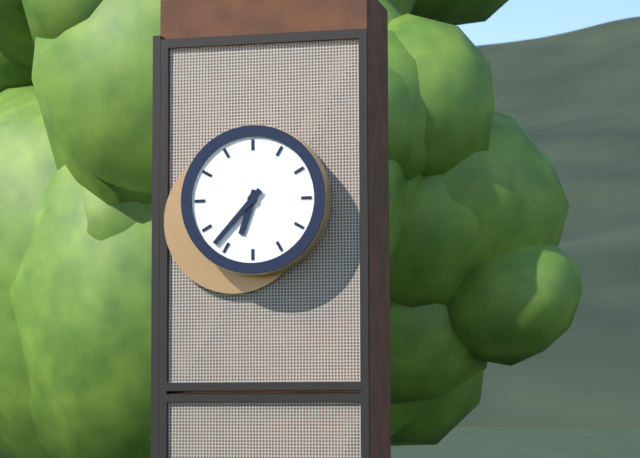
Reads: 6:37
